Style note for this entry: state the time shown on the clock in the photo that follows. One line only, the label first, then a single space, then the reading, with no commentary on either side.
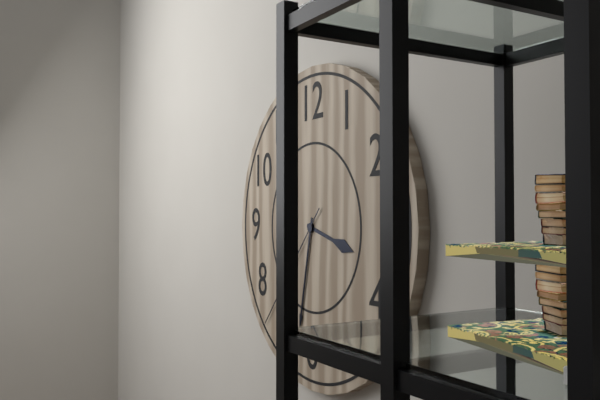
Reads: 3:32:37
